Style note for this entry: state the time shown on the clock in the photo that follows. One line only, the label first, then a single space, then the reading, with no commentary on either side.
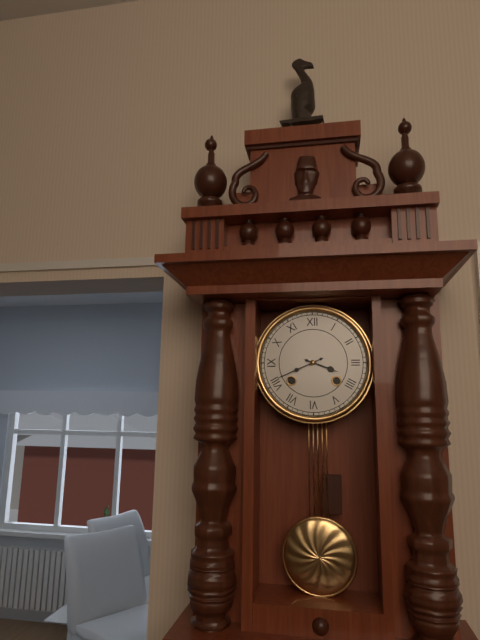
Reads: 3:41
